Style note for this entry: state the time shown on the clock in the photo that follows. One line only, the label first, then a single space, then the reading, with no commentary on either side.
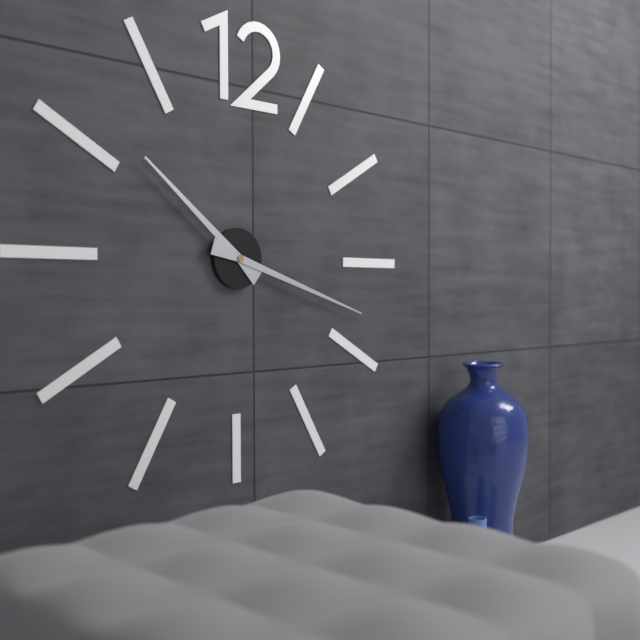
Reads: 10:18
